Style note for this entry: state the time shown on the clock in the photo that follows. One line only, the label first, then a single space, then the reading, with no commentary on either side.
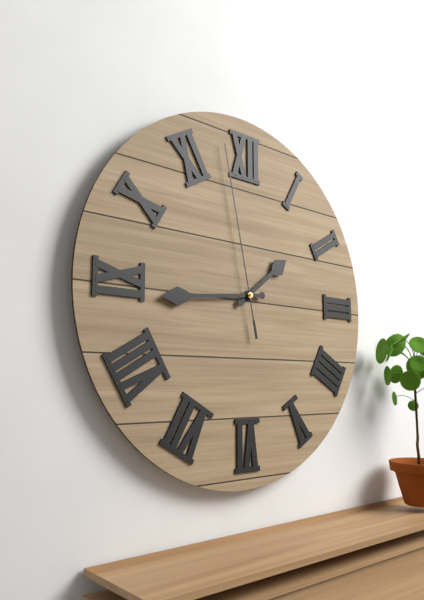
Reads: 1:44:58
